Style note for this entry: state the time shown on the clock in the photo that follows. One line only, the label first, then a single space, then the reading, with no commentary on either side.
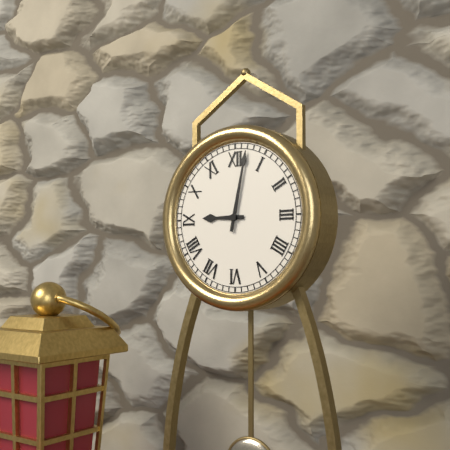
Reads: 9:02
